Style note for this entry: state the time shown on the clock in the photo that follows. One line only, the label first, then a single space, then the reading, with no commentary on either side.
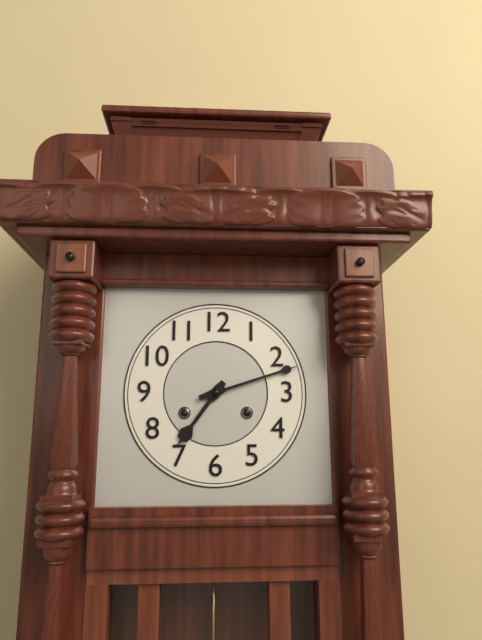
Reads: 7:12
